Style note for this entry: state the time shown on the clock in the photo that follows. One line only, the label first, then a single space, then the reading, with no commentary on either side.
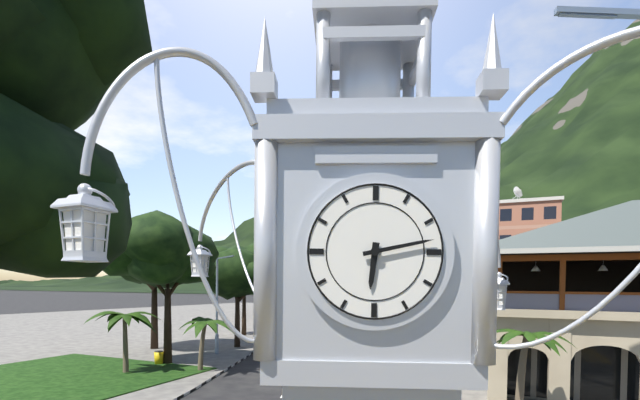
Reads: 6:13
